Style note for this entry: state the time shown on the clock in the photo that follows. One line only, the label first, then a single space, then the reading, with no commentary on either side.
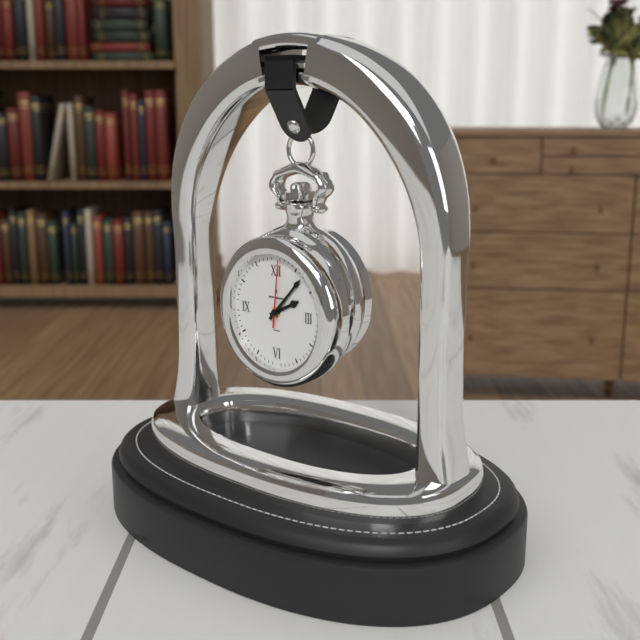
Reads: 2:07:01
